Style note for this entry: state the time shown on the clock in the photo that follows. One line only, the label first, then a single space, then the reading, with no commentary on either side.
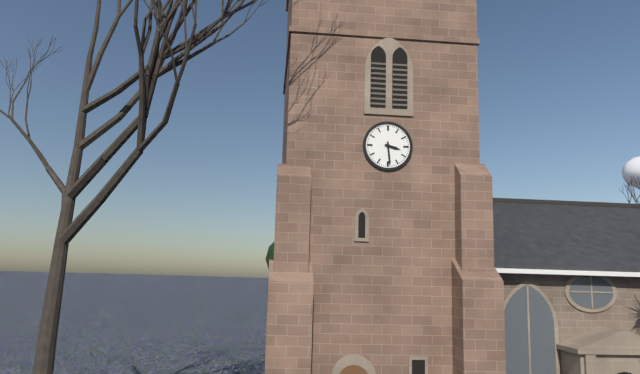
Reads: 3:29
